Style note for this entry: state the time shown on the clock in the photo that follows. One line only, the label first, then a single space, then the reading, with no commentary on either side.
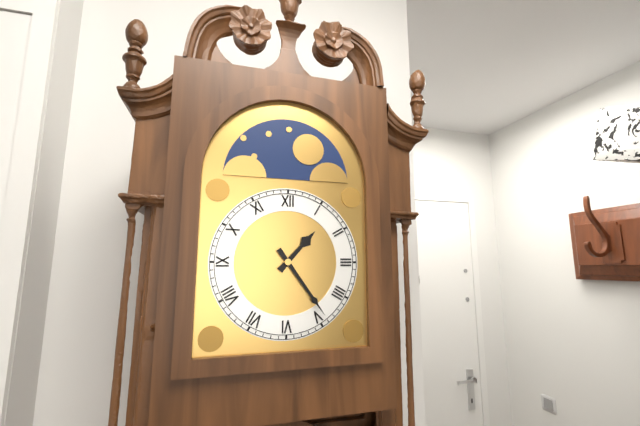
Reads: 1:24
